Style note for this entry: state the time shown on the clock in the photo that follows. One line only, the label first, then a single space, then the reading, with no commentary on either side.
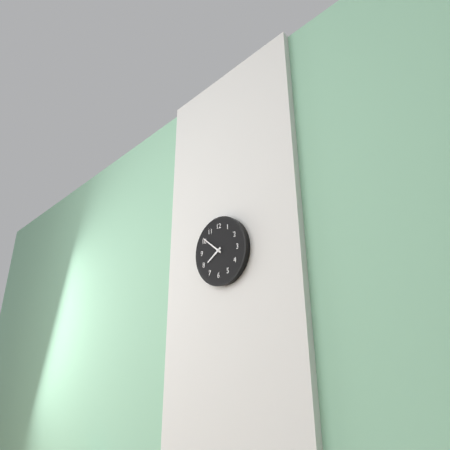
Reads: 7:51
